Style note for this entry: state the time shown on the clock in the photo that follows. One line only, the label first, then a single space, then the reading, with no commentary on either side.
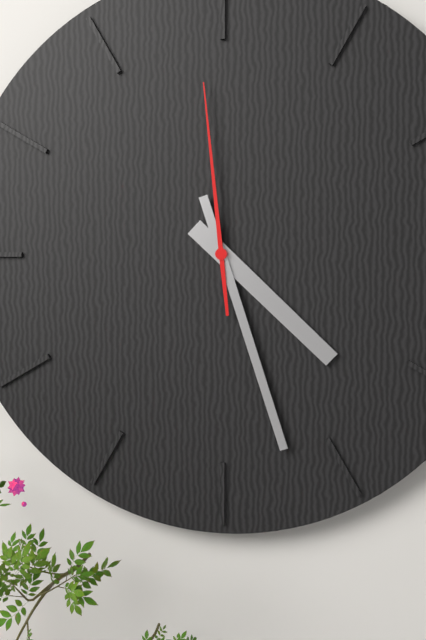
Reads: 4:27:59
